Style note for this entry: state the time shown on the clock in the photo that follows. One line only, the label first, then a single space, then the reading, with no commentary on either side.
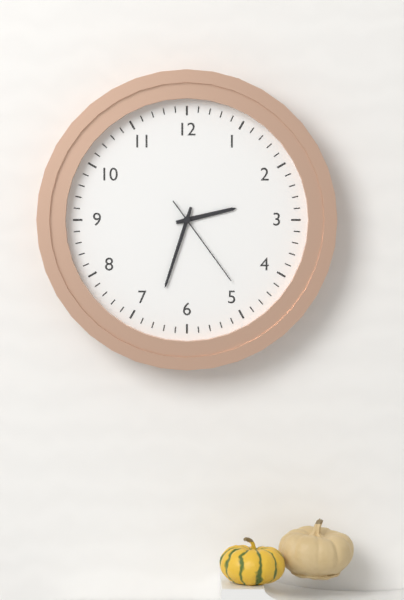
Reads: 2:33:24
